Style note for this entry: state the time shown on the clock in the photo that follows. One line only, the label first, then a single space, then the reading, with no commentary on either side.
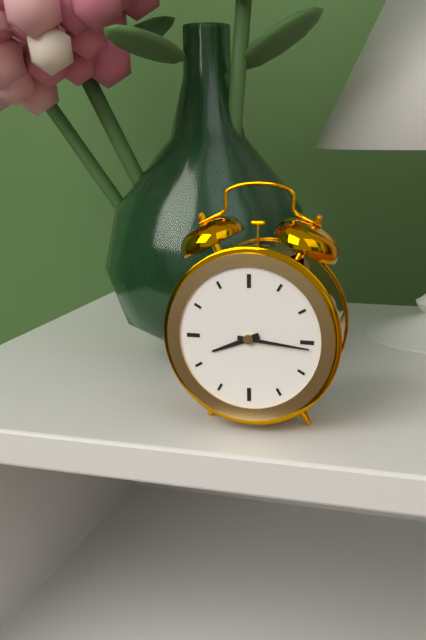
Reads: 8:16
